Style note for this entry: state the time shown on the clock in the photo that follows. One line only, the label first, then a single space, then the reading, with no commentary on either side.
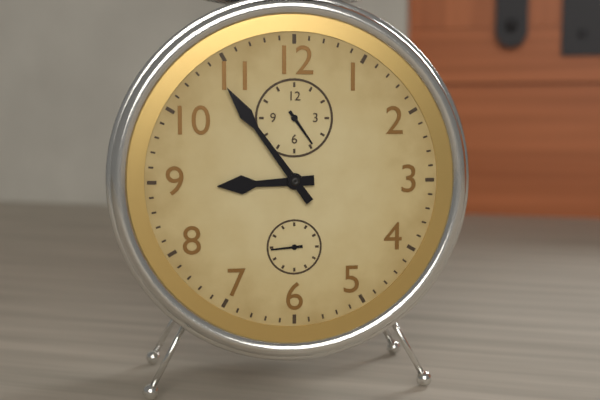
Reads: 8:54
